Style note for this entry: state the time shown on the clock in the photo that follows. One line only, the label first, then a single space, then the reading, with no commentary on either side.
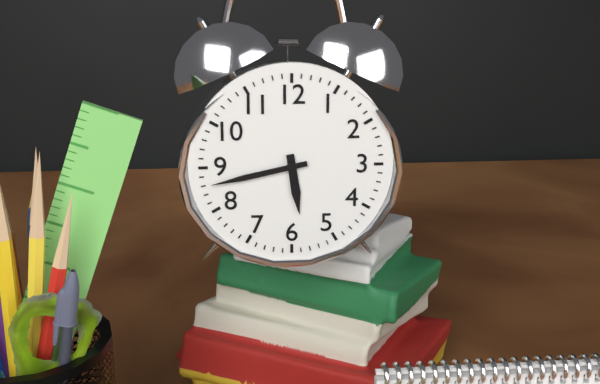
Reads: 5:43
